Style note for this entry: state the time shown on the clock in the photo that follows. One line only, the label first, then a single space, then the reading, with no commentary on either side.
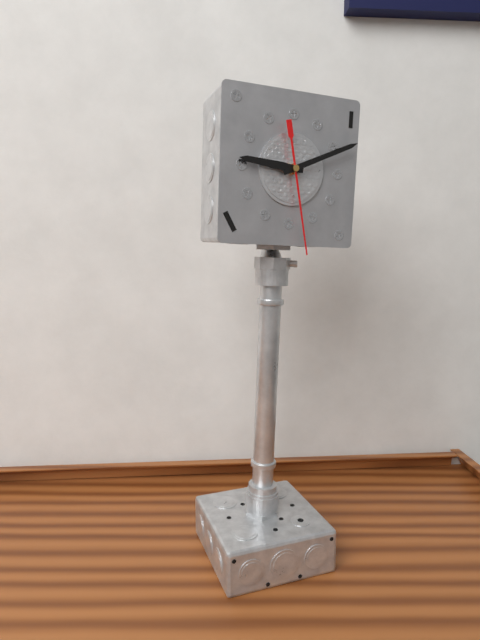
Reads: 9:11:28
